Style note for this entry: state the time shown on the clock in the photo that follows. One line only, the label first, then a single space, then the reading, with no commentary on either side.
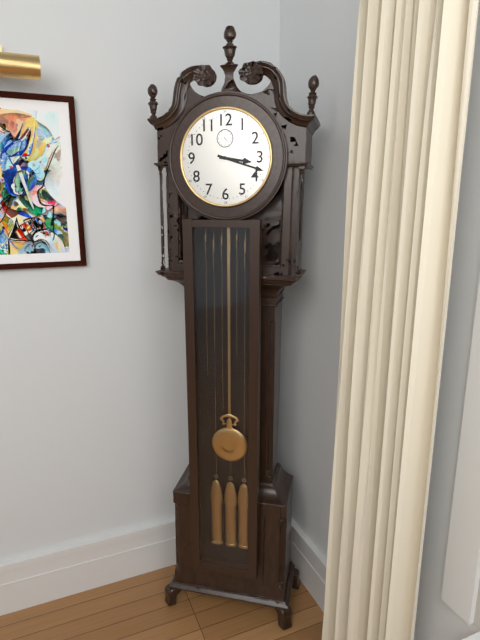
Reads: 3:18
